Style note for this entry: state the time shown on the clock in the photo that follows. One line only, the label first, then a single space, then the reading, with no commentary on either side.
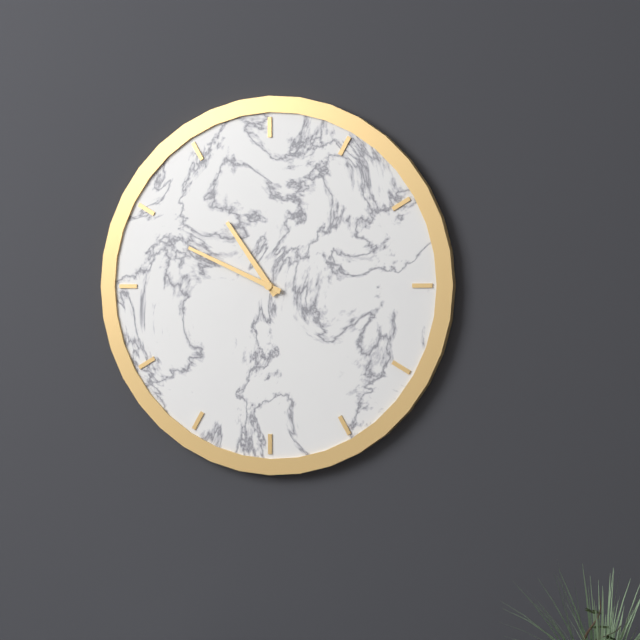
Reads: 10:49
